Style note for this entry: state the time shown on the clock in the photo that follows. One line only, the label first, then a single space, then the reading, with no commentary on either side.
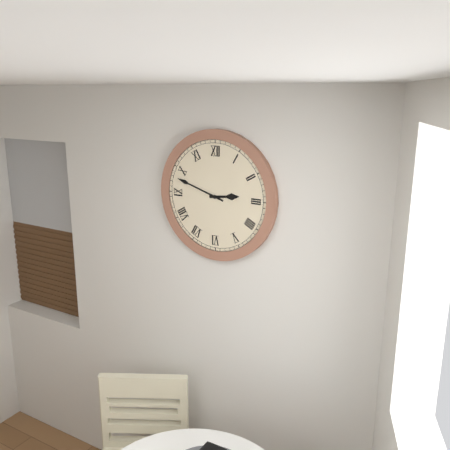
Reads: 2:48
